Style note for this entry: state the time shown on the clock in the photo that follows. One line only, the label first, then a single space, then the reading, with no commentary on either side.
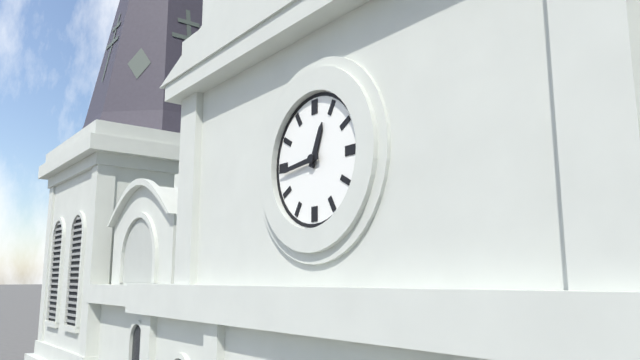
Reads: 12:44
